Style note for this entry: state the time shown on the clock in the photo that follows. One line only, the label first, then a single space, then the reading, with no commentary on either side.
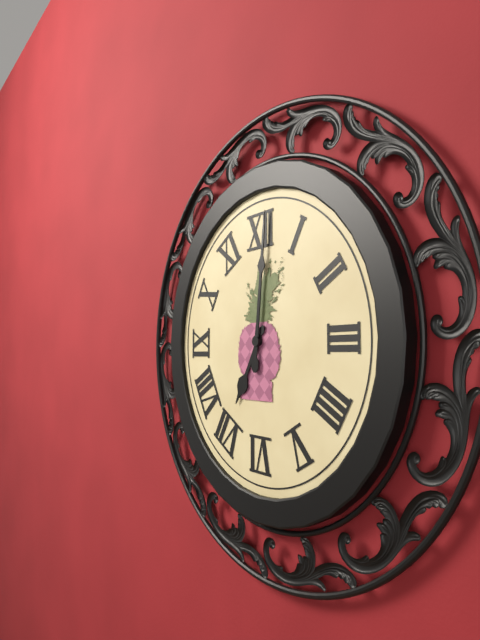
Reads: 7:01
